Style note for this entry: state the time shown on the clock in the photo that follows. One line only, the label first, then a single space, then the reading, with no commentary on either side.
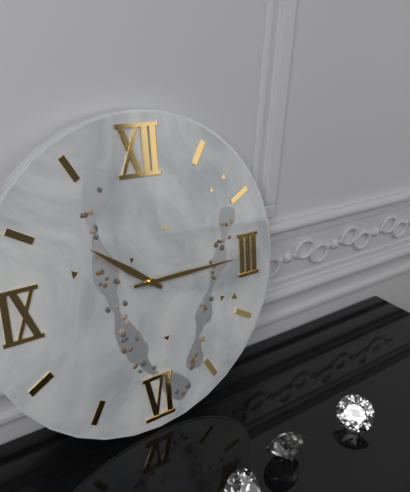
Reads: 10:15
